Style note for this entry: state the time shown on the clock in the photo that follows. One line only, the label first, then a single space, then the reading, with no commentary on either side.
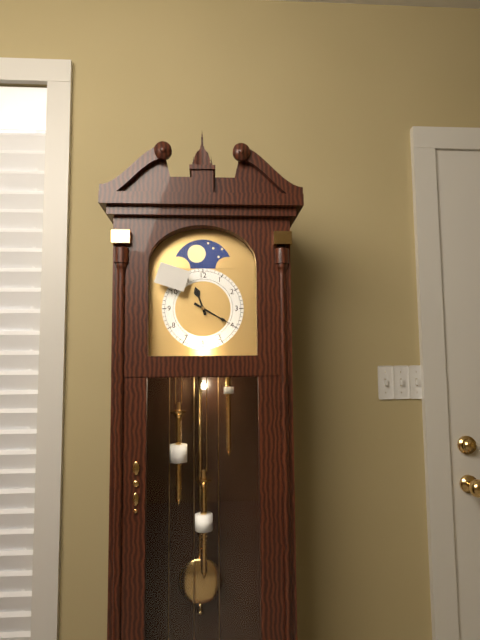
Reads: 11:20
